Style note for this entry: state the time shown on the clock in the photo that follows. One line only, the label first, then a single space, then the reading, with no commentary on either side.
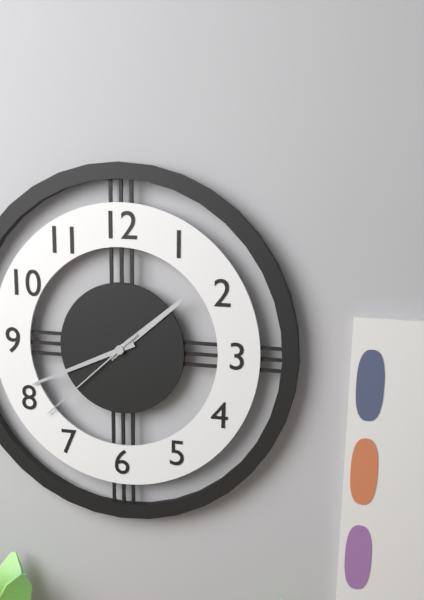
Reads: 1:41:38
